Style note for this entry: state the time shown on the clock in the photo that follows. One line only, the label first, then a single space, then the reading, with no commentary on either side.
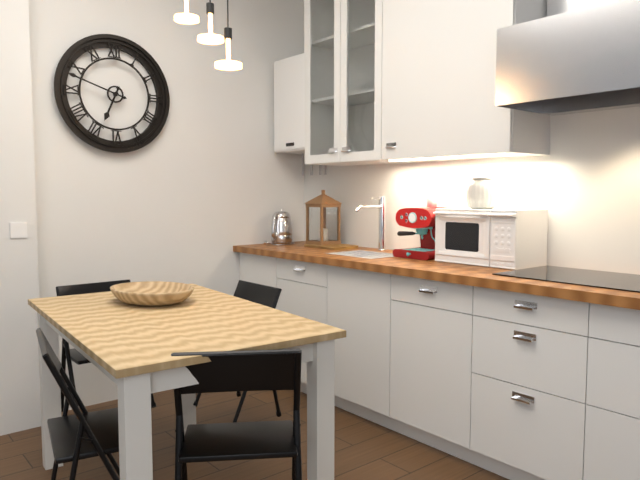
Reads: 6:48
